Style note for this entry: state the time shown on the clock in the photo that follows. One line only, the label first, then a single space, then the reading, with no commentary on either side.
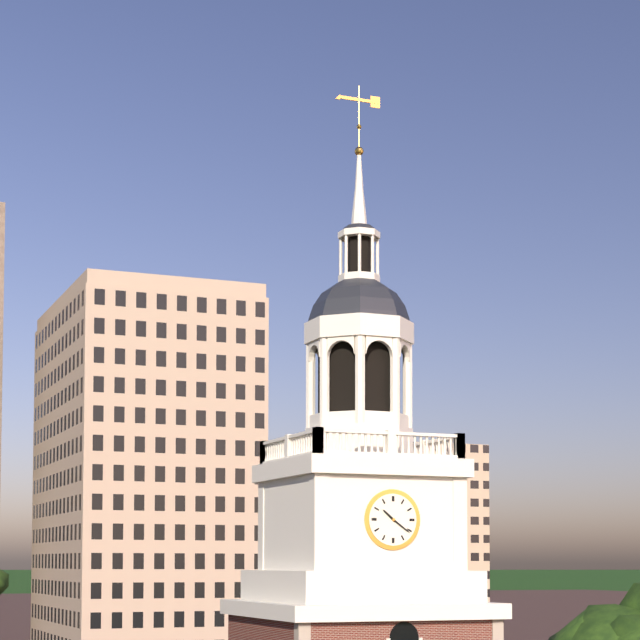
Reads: 10:21
